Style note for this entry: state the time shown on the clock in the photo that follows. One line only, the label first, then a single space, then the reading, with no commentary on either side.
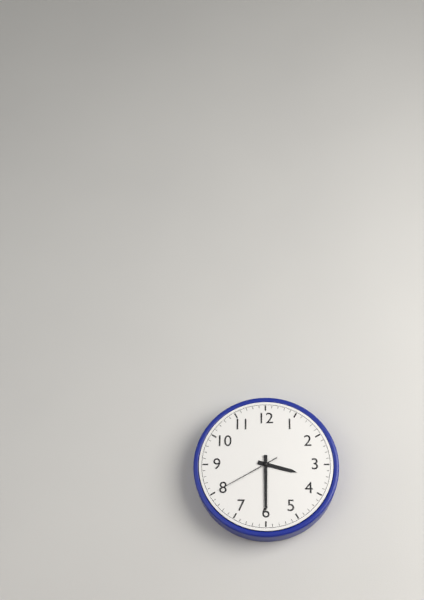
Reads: 3:30:40
